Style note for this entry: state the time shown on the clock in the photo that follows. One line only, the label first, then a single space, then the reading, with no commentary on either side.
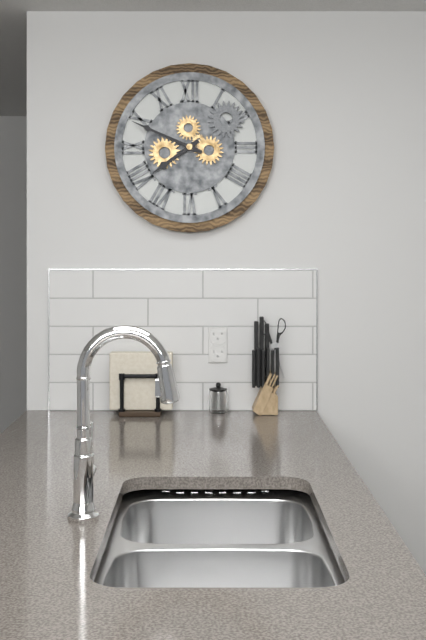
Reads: 7:49
